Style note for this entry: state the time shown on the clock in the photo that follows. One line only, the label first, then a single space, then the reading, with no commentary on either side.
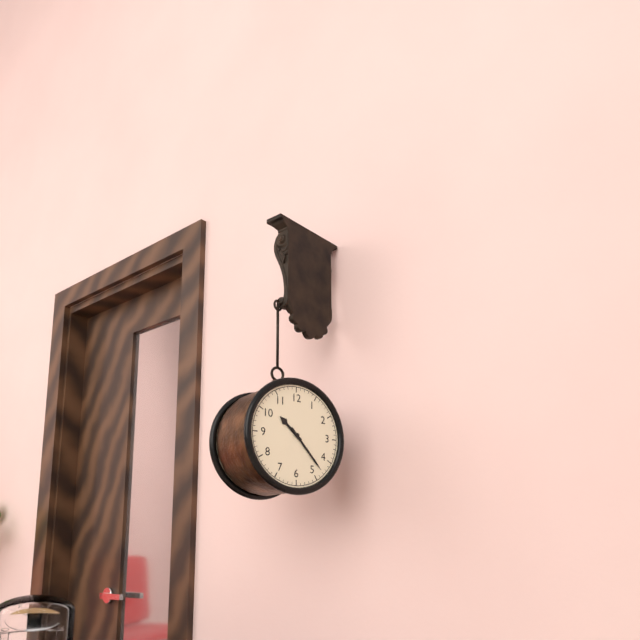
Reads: 10:23
